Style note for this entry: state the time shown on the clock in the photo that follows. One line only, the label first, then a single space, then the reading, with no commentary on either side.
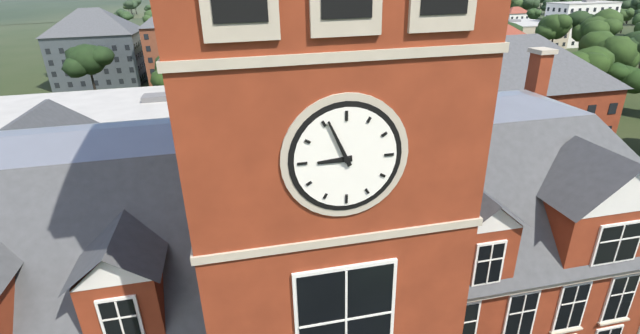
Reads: 8:56
